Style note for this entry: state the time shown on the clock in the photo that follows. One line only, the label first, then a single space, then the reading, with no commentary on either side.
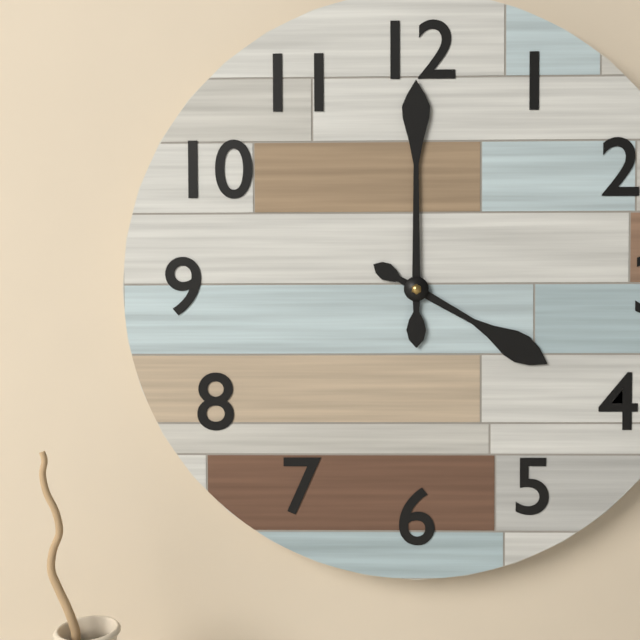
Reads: 4:00
